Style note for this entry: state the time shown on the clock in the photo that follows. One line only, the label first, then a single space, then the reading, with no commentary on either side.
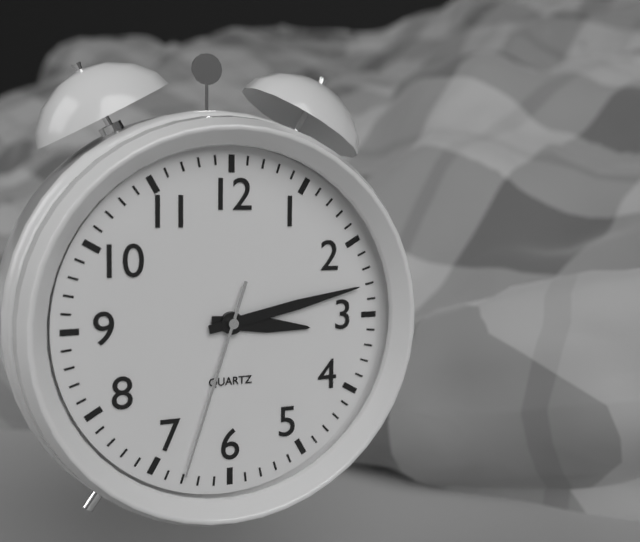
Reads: 3:13:33
